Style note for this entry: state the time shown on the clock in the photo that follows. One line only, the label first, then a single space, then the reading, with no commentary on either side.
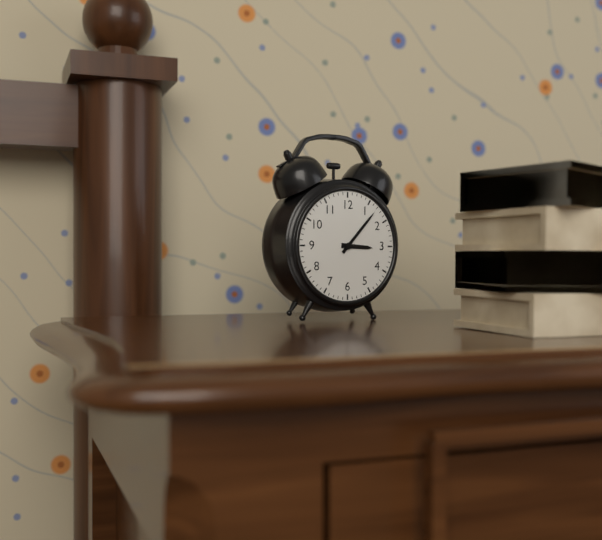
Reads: 3:07
